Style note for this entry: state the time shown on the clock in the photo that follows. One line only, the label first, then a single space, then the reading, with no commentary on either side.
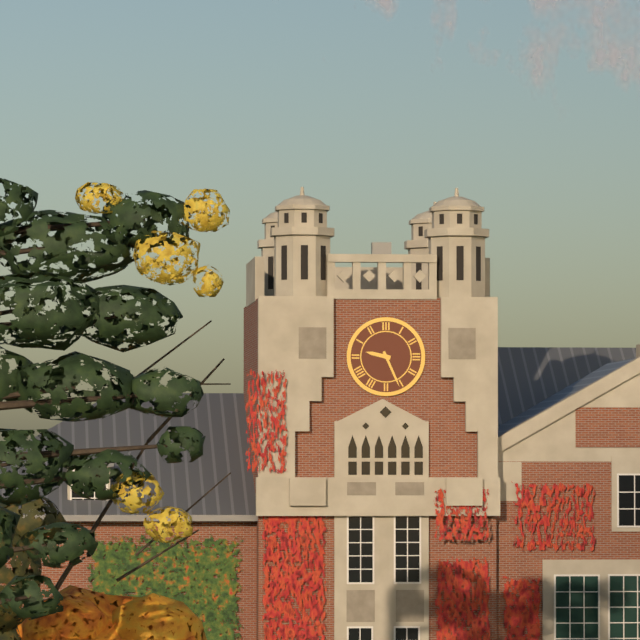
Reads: 9:26
